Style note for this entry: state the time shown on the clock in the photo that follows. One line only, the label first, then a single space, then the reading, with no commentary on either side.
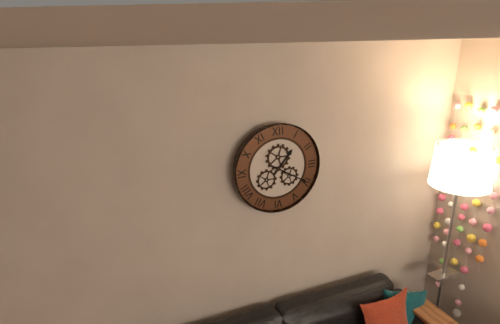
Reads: 1:20
